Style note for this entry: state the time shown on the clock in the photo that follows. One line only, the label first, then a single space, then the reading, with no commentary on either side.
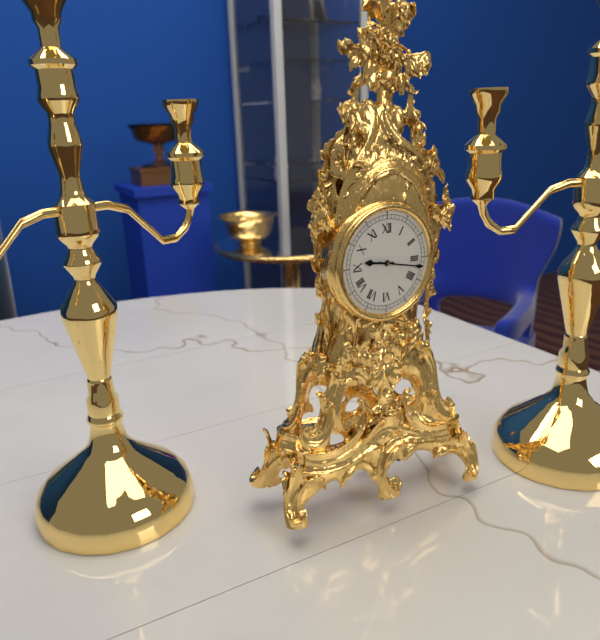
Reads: 9:17
